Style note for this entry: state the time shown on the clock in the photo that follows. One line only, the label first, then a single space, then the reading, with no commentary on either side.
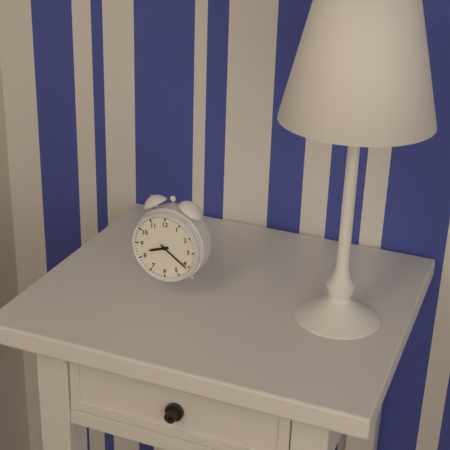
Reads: 8:21
